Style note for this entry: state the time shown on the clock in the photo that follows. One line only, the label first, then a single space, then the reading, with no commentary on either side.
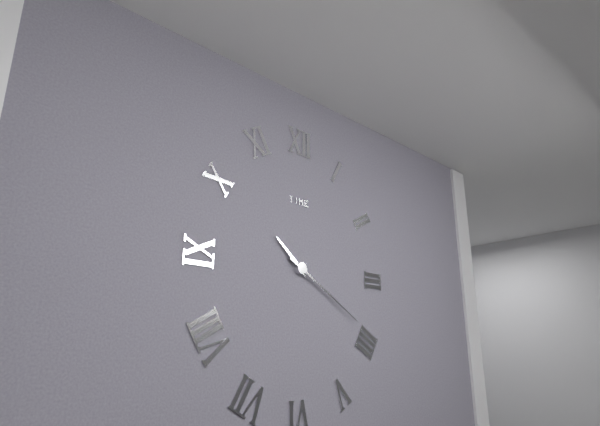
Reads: 10:20
